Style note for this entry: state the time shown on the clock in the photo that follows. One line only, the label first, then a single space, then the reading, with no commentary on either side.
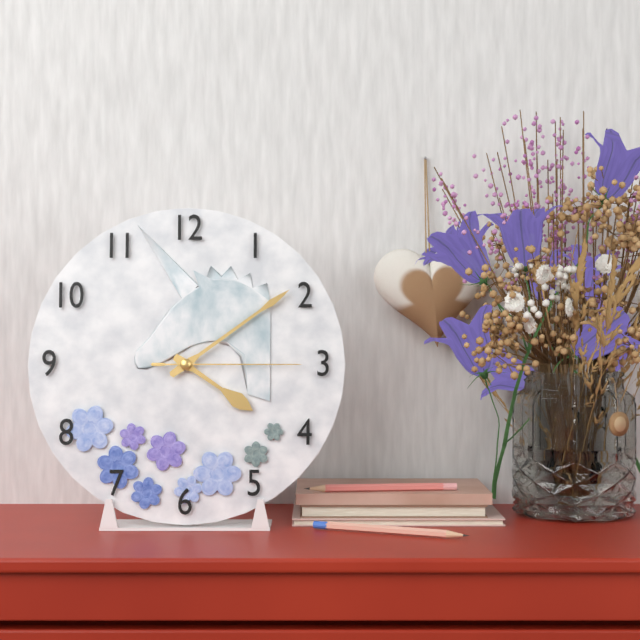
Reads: 4:09:15
